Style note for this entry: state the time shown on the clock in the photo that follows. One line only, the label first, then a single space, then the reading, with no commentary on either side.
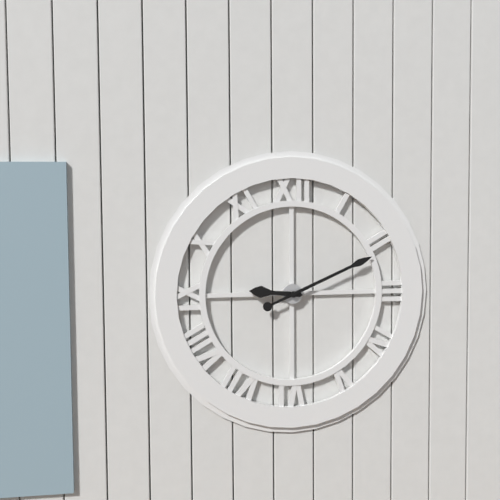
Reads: 9:11
